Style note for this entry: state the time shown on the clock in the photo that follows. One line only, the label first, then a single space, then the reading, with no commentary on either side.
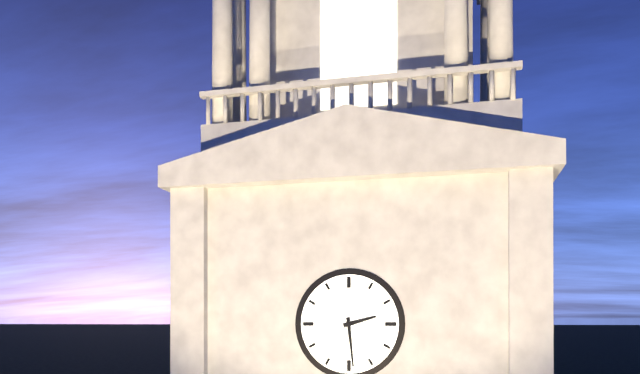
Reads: 2:29
